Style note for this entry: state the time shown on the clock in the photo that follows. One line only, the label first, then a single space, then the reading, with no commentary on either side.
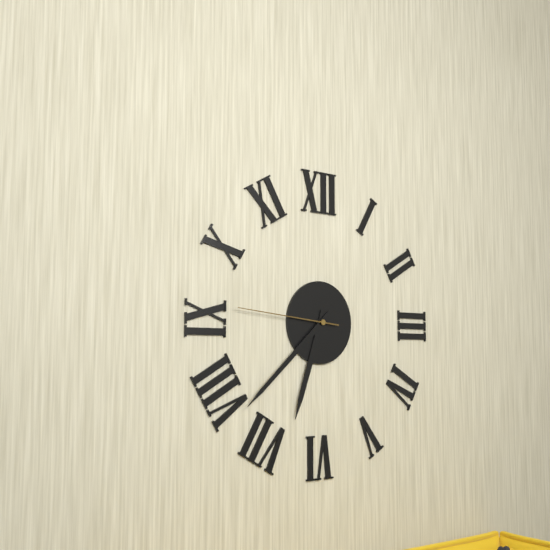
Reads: 6:38:46
